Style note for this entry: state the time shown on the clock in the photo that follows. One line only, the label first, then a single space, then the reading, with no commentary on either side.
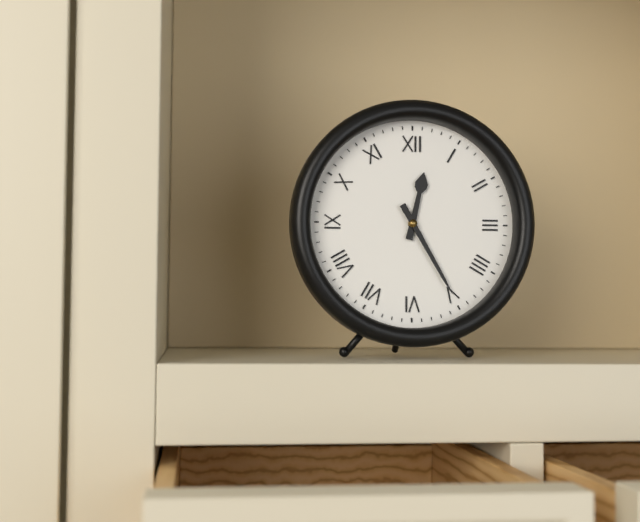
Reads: 12:25
